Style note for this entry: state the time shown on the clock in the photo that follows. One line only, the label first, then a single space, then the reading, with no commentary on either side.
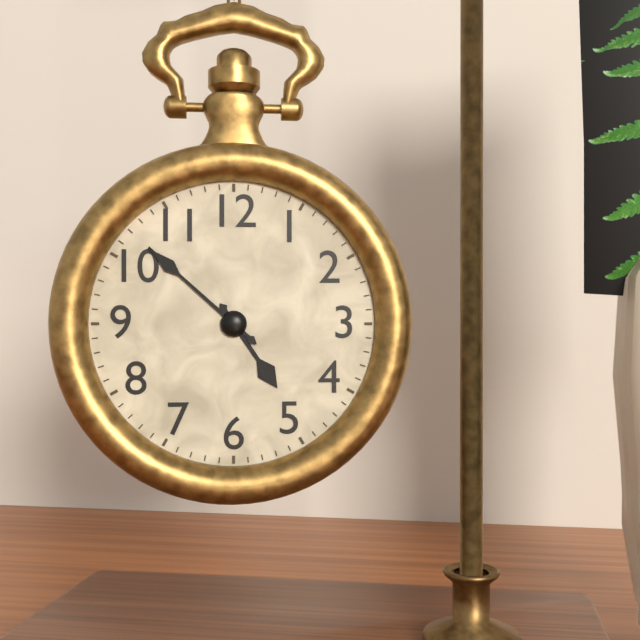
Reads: 4:52
